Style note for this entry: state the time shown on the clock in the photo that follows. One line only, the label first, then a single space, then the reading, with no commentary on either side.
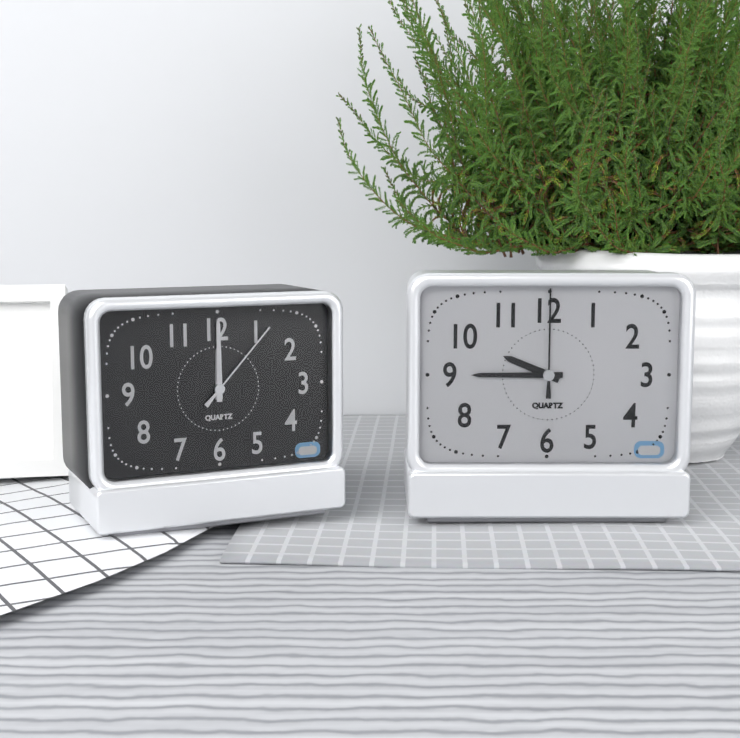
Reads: 9:45:00
